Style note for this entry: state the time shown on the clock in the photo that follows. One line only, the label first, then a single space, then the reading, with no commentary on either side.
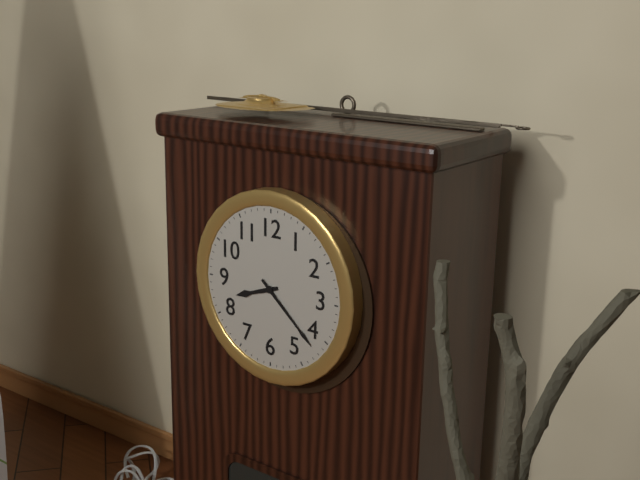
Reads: 8:22
